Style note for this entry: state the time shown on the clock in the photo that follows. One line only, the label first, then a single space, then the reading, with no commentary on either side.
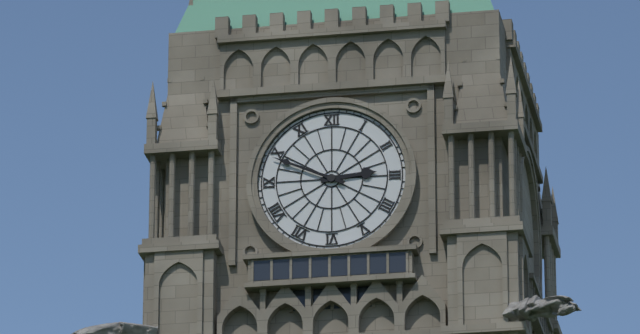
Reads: 2:49
